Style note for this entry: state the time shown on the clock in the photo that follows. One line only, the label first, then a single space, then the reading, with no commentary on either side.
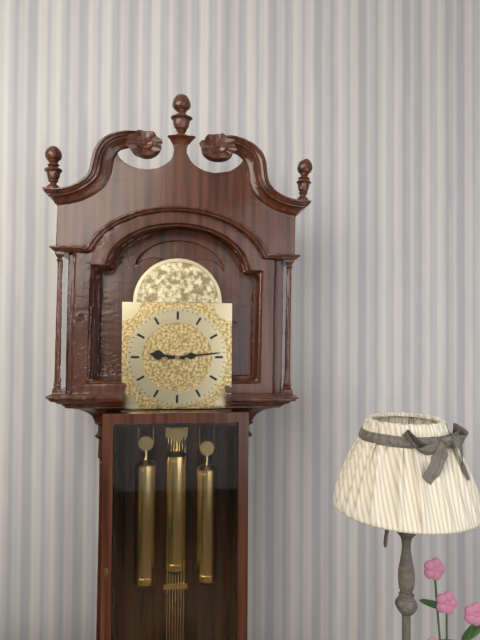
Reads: 9:14
